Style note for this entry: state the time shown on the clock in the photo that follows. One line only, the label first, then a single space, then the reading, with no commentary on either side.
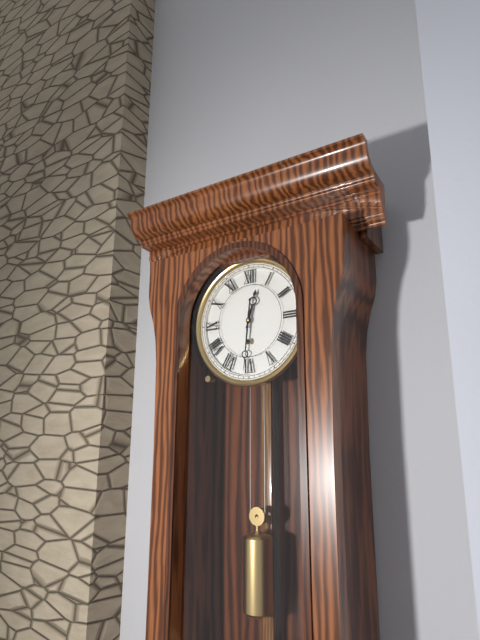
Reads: 12:31
